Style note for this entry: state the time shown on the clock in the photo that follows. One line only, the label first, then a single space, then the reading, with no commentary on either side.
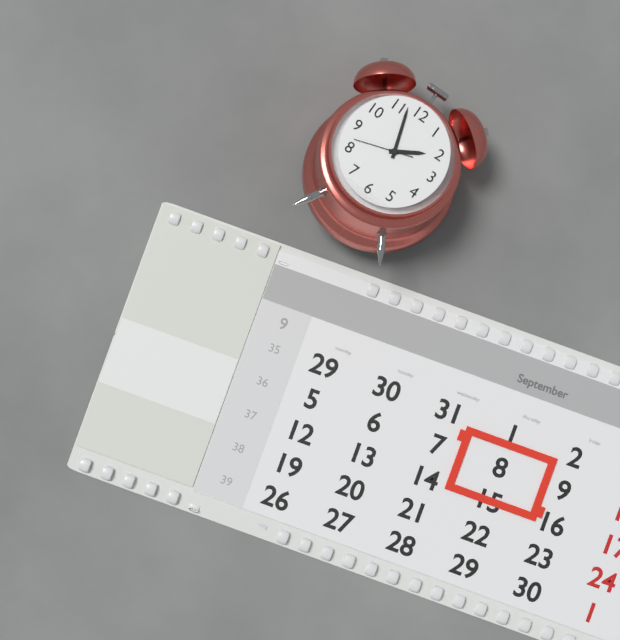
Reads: 1:57:42
